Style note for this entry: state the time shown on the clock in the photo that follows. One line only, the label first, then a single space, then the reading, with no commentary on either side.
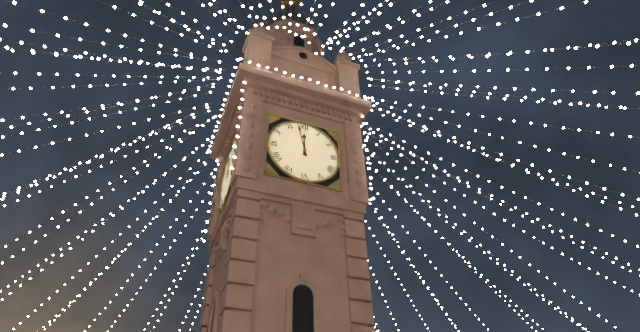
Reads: 11:58
